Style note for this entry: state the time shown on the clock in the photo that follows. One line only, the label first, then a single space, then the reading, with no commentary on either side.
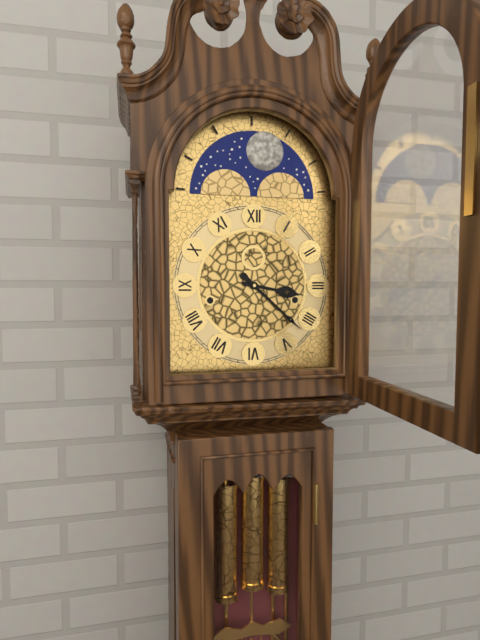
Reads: 3:22
